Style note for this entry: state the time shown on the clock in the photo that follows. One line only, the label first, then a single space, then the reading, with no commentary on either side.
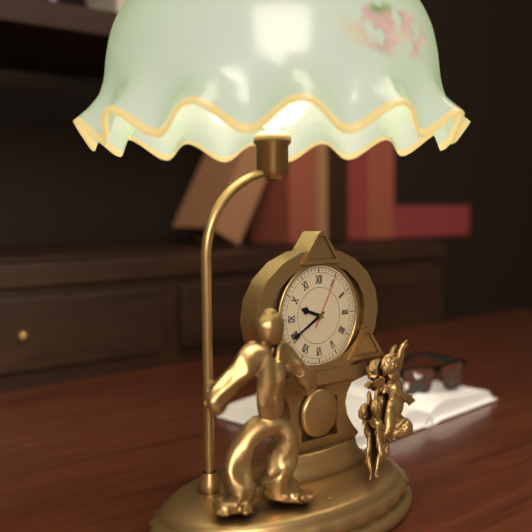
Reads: 9:40:05
